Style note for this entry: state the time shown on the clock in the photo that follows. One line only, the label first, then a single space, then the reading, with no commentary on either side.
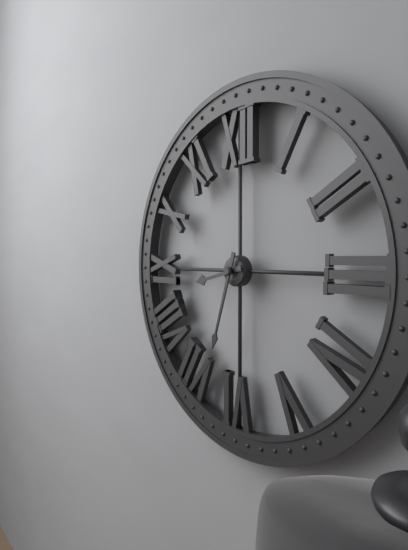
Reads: 8:33
